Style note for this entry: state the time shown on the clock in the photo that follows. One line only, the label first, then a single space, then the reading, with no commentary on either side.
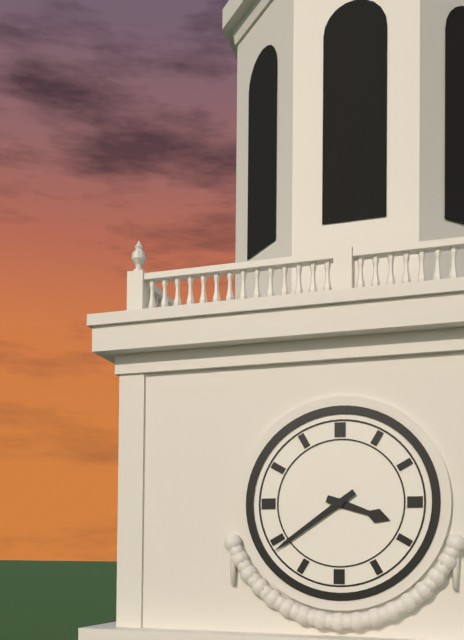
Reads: 3:39
